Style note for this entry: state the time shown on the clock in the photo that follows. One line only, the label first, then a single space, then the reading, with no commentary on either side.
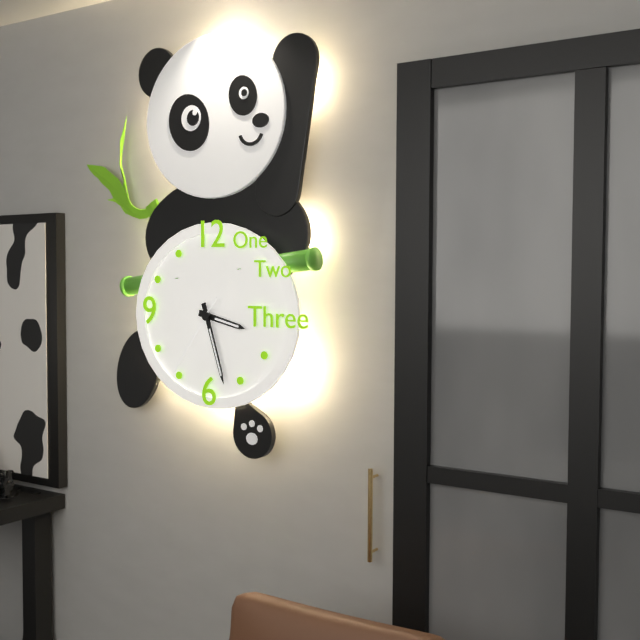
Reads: 3:27:36
